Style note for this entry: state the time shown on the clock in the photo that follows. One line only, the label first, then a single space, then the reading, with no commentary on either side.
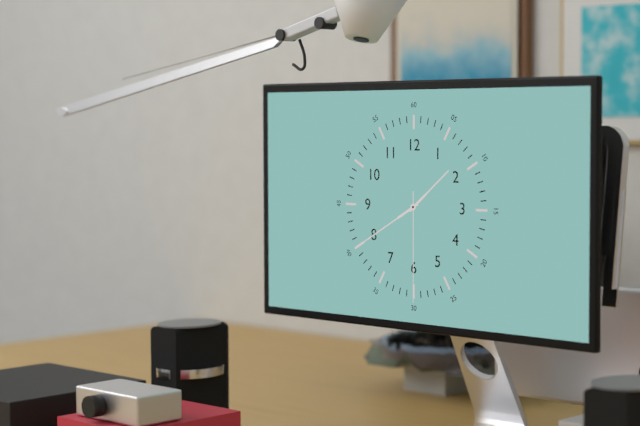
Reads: 1:40:30
